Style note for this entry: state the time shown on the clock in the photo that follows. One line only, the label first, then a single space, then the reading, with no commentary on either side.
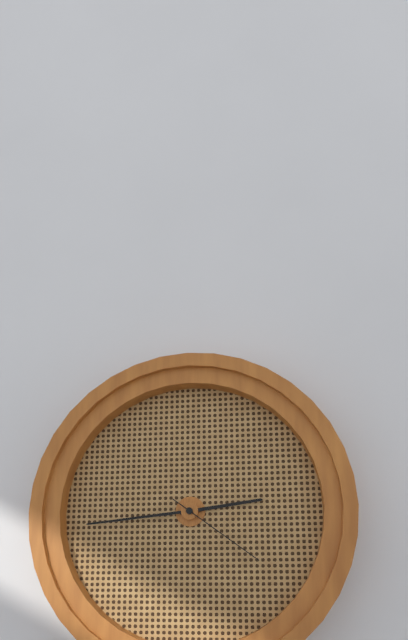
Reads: 2:44:21
